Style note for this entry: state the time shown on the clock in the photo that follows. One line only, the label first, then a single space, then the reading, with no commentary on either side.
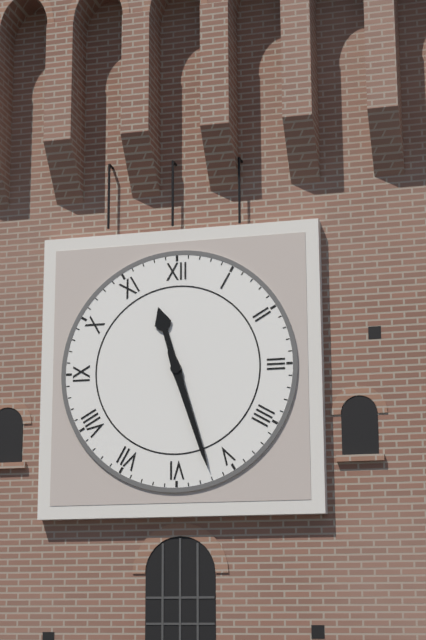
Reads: 11:27
